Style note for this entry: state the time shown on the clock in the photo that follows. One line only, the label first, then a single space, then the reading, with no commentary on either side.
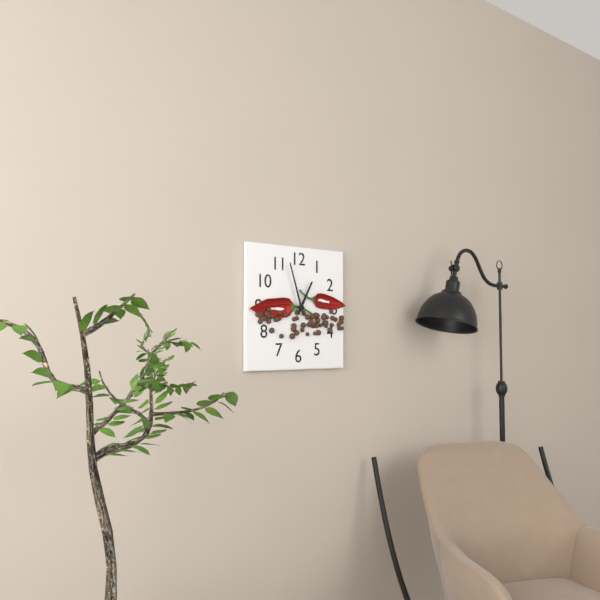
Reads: 12:57
